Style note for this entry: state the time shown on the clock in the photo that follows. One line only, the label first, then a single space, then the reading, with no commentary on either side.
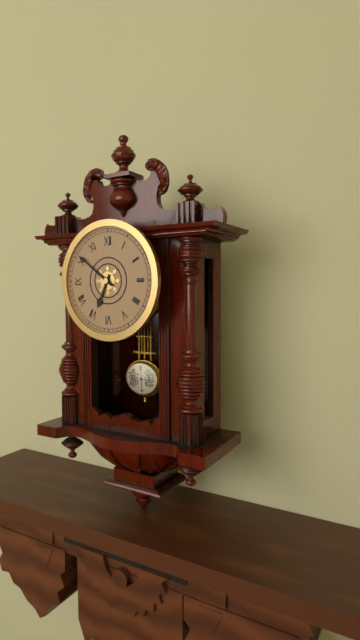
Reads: 6:51
